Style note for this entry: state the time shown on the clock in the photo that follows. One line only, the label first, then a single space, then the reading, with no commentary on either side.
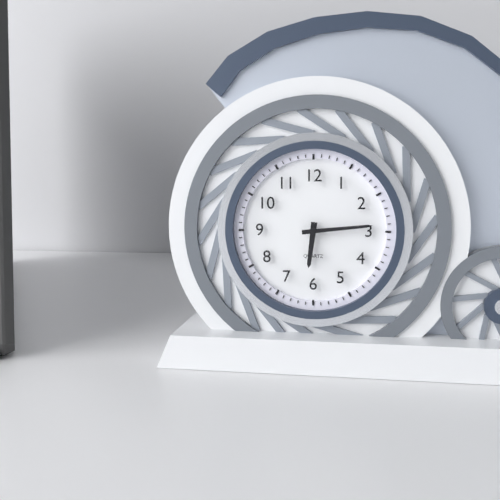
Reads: 6:14
